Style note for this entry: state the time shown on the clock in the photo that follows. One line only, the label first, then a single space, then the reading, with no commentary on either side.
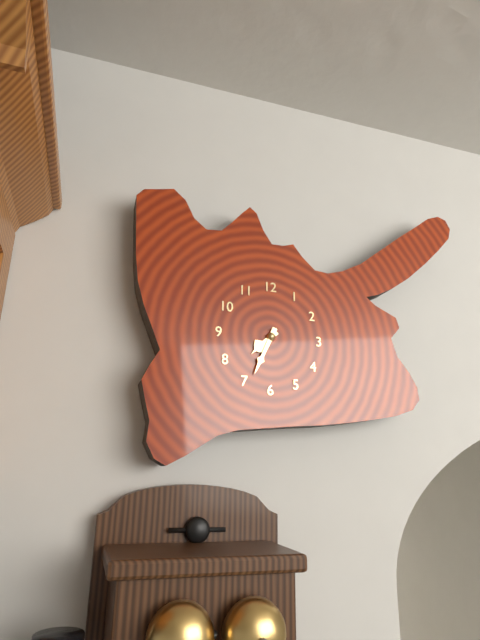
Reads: 7:34
